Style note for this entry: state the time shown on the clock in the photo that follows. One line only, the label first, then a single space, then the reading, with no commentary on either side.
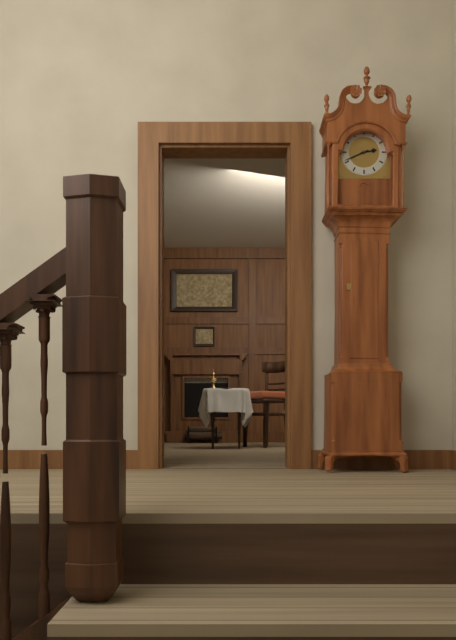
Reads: 2:41
